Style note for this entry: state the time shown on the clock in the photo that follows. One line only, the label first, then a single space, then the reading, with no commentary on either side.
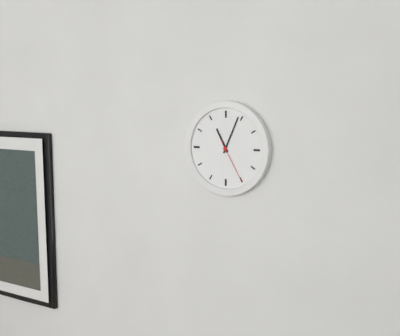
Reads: 11:04
